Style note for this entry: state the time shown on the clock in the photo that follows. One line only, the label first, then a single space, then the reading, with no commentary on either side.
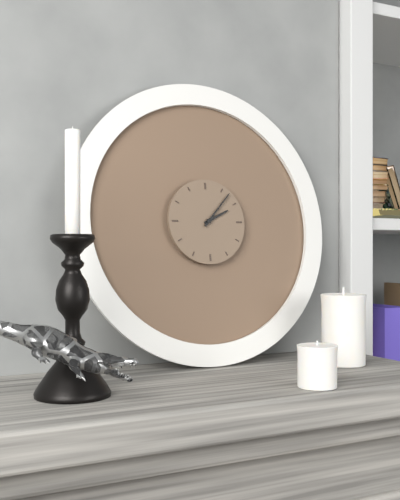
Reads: 2:07
